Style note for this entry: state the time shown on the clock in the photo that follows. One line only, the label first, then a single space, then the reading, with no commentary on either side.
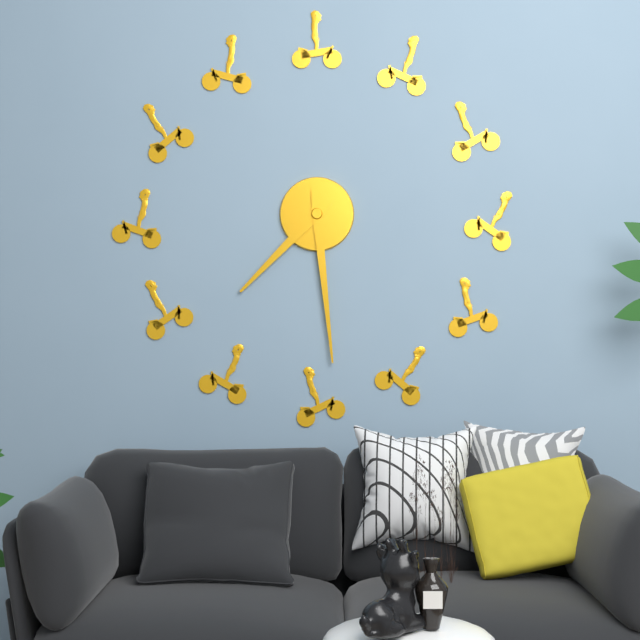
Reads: 7:29
